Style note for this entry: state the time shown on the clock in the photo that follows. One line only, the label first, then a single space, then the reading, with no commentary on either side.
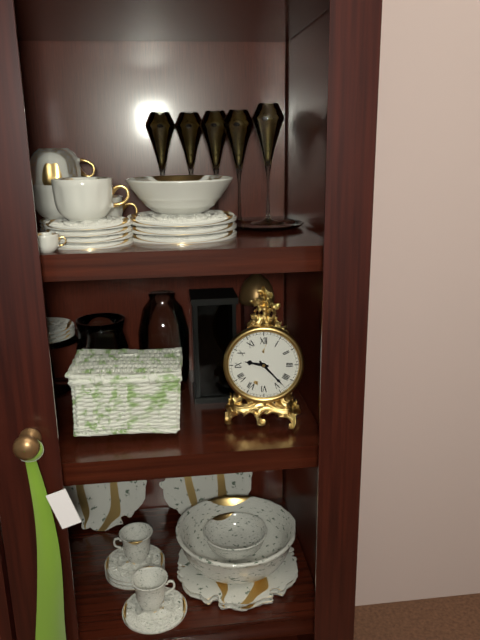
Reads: 9:23
